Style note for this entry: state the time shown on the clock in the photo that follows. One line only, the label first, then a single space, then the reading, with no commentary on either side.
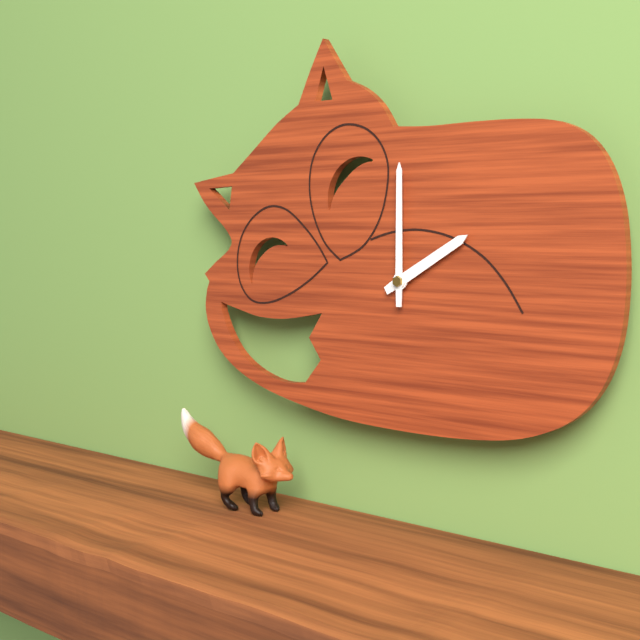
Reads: 2:00
